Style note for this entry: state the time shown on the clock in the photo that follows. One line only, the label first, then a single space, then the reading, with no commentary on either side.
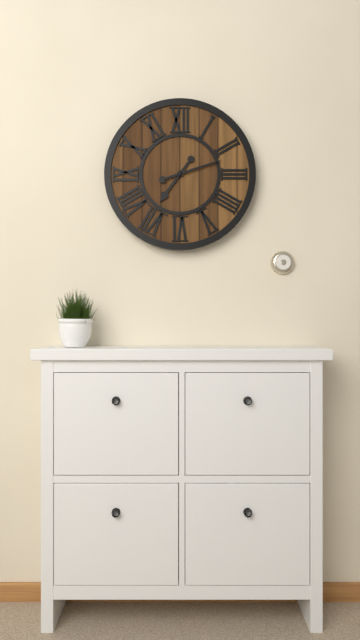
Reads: 7:12
